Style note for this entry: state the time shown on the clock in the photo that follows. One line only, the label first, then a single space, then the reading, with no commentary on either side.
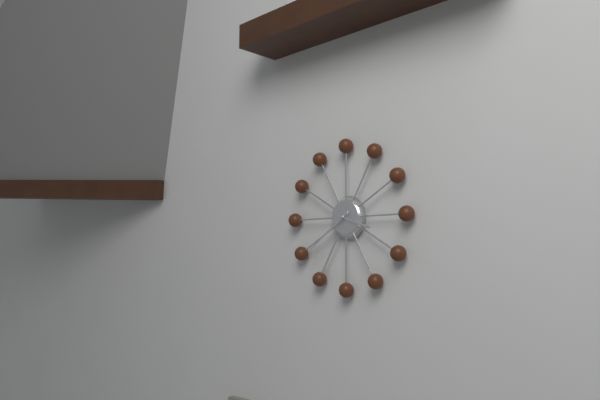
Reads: 3:39
